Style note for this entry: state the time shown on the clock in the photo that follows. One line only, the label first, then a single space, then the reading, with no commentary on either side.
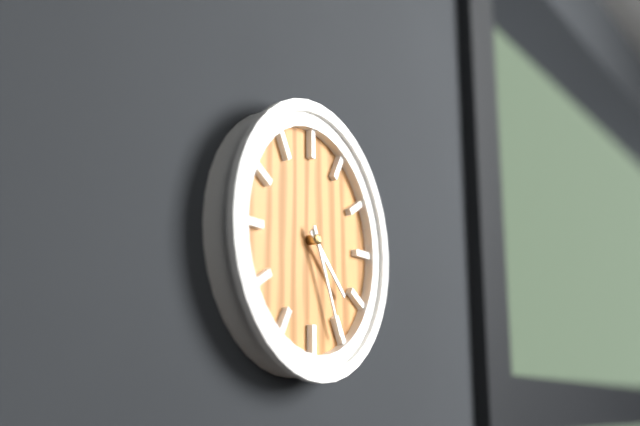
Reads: 4:26
